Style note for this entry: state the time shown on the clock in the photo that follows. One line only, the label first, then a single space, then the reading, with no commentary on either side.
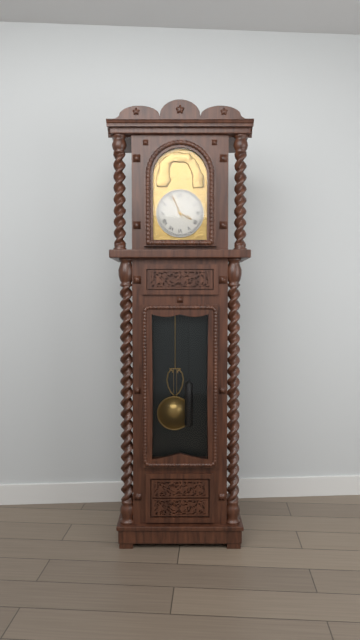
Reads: 3:56
